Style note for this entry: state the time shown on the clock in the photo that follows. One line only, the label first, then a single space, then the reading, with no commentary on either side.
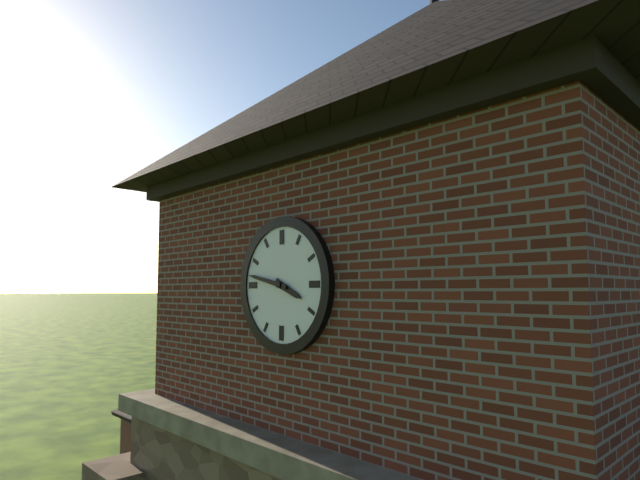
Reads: 3:47
